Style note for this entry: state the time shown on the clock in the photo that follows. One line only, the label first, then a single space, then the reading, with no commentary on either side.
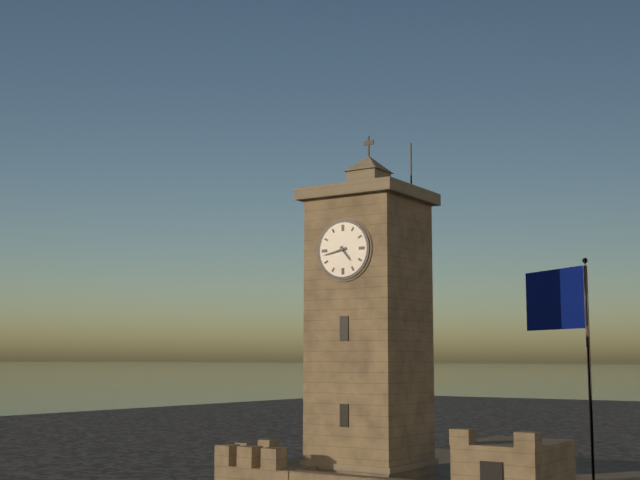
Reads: 4:43
